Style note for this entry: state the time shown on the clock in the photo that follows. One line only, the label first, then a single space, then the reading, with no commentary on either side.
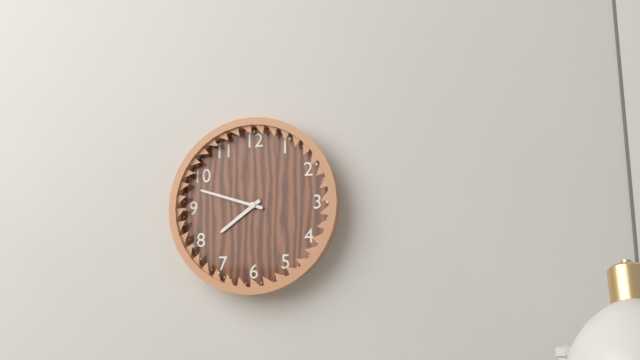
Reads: 7:48
